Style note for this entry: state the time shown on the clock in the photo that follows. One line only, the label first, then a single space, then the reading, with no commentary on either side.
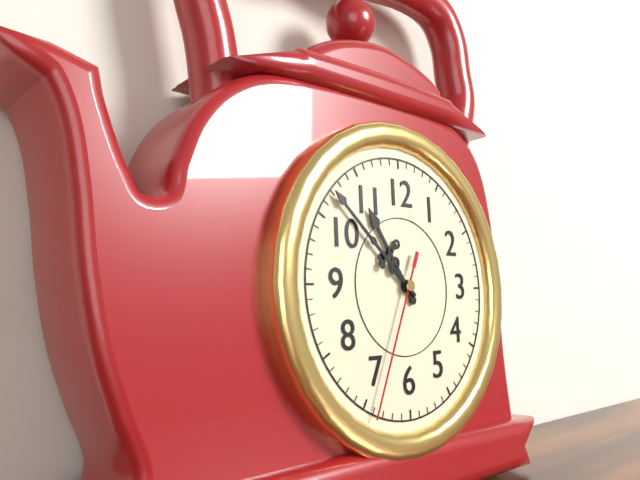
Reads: 10:52:34
